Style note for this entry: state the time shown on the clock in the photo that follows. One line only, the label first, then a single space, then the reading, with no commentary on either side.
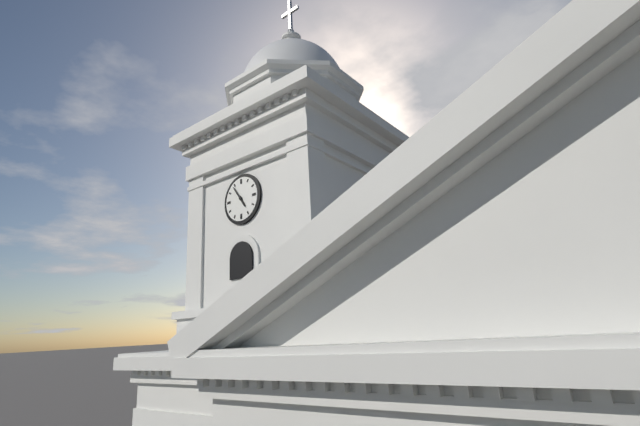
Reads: 4:54
